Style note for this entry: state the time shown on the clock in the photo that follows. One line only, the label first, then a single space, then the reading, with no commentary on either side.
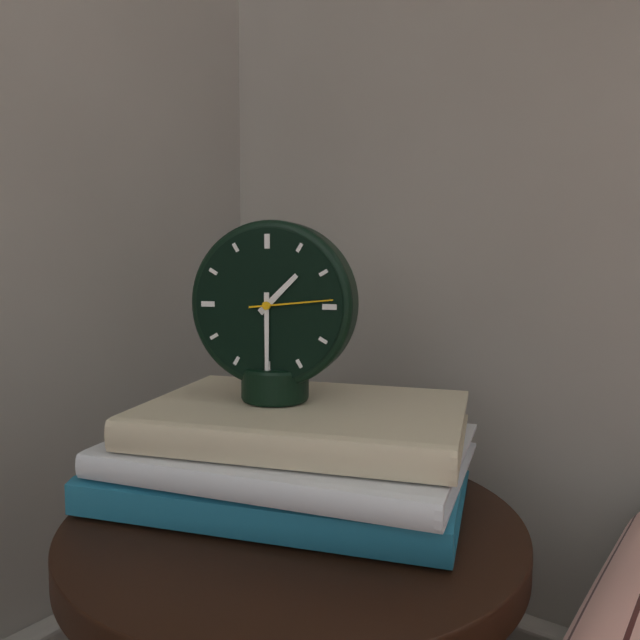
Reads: 1:30:14
